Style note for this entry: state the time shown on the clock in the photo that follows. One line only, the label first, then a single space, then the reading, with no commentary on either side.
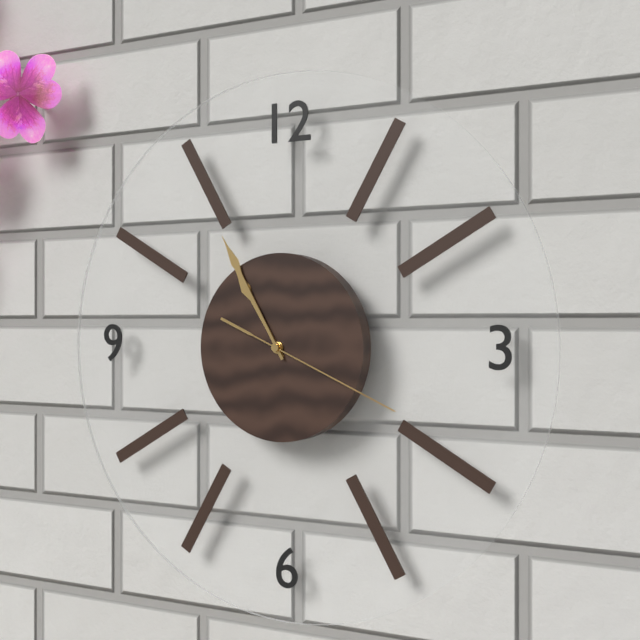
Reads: 10:55:19
